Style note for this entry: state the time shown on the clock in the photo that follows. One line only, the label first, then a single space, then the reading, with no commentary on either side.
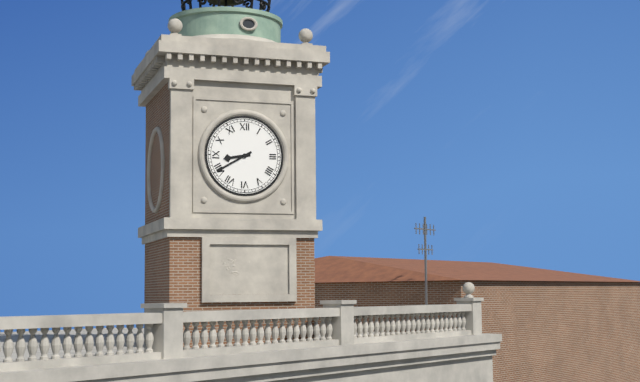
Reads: 8:40
